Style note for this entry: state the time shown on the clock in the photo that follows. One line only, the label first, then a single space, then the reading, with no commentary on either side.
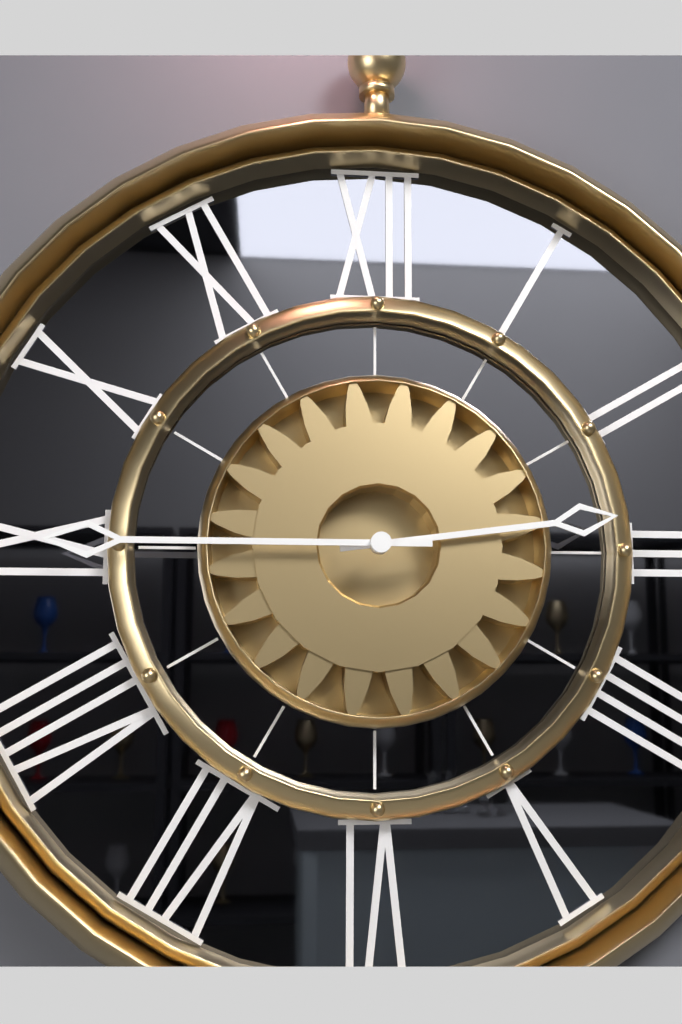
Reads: 2:45
